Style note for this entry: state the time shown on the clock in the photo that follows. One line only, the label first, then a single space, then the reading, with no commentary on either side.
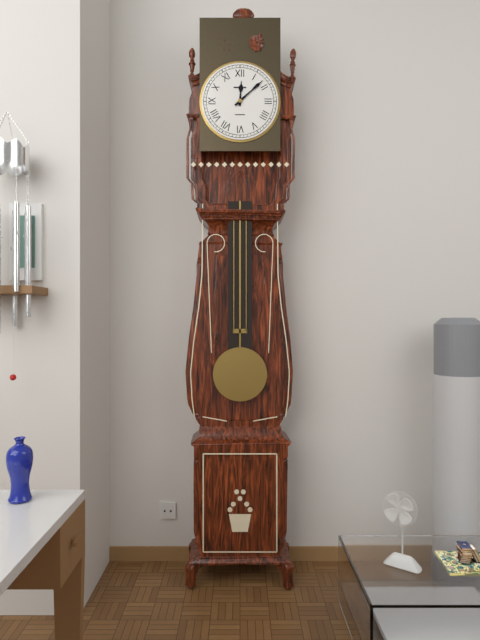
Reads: 12:08
